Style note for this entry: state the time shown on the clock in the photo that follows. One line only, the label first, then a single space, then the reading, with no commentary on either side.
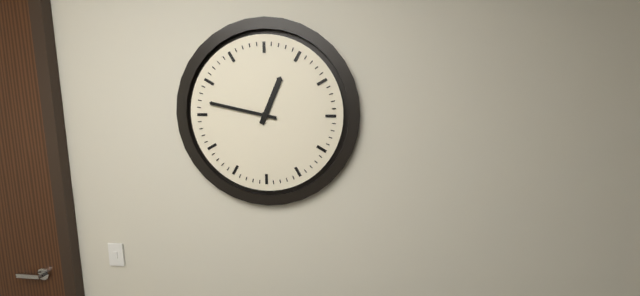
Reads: 12:47
